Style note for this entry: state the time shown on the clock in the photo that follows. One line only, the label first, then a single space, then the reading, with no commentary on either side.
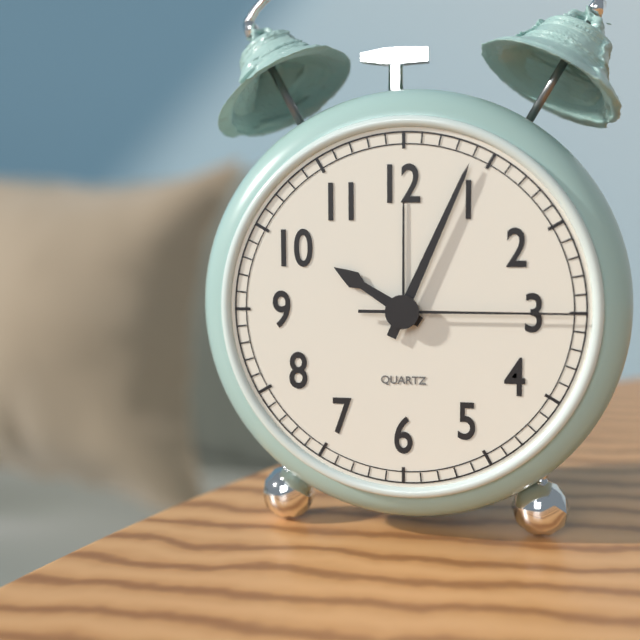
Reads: 10:04:15
